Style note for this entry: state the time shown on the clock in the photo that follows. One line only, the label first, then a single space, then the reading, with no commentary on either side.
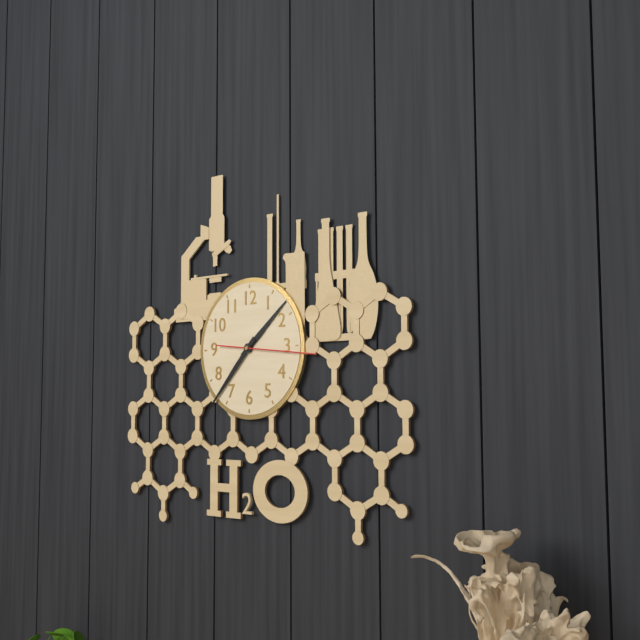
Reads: 1:37:16
